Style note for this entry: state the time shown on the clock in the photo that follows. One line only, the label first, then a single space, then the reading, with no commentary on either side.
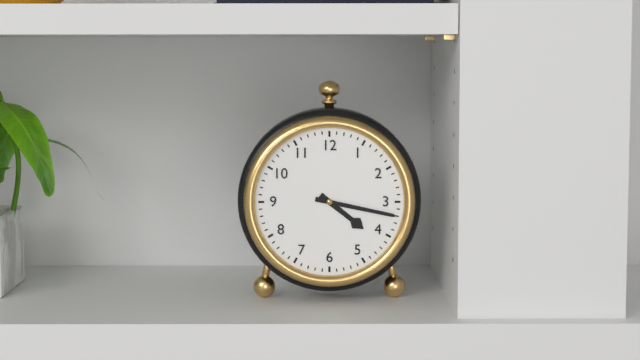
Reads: 4:17
